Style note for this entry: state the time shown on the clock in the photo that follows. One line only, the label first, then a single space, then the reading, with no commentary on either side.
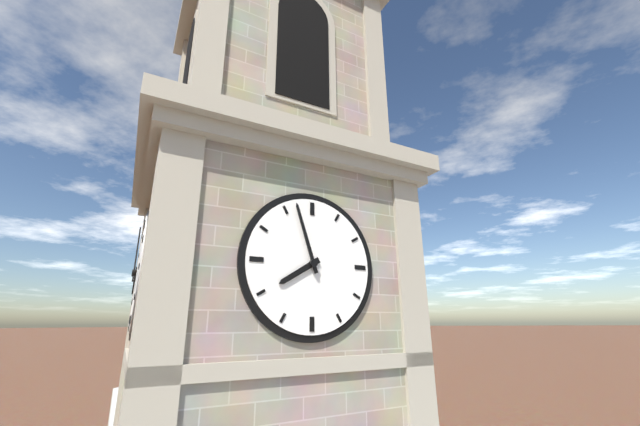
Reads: 7:57
